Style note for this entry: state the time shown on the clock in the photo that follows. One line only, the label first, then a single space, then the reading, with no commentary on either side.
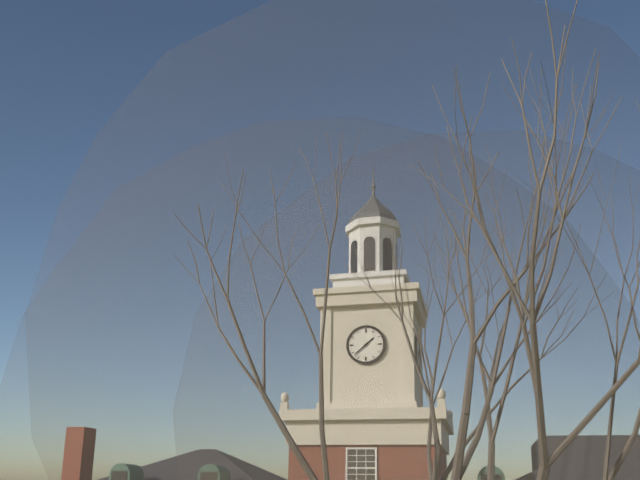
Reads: 1:38
